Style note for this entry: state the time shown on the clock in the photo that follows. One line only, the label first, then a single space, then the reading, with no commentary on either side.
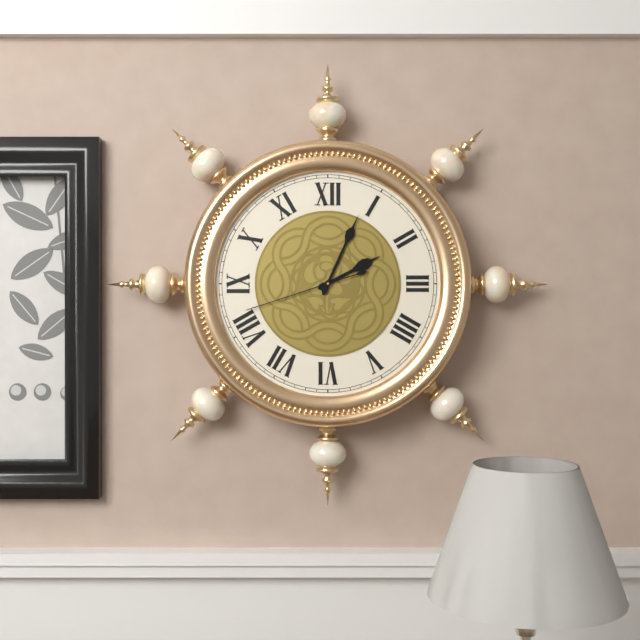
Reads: 2:04:42
